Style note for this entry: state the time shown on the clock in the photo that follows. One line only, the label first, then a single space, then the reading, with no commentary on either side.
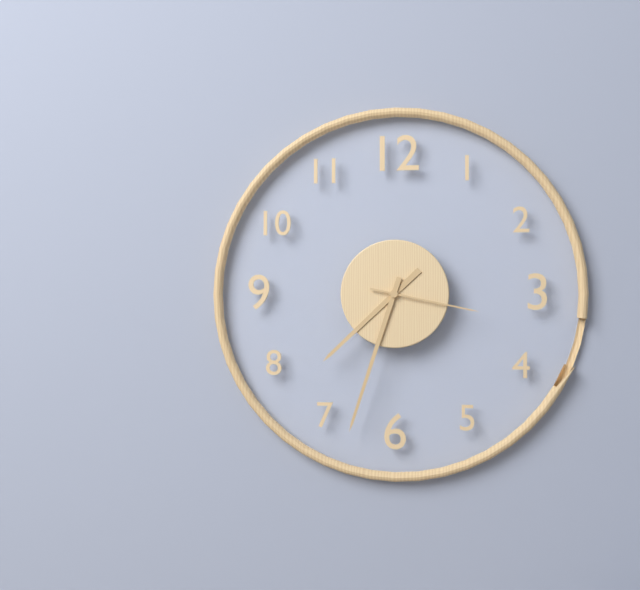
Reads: 7:33:17
